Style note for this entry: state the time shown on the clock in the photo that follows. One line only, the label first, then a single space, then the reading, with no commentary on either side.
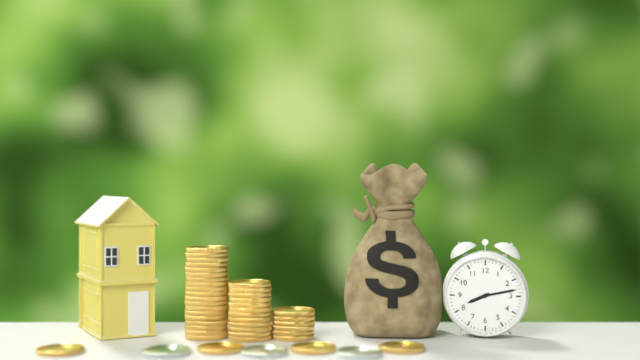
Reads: 8:13
